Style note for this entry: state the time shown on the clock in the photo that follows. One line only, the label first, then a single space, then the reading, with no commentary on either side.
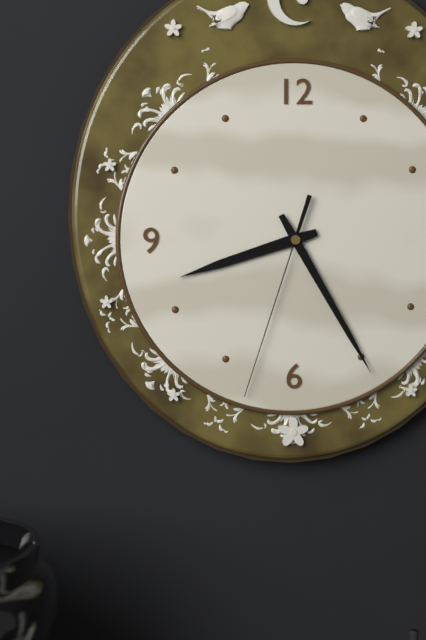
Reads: 8:25:33
